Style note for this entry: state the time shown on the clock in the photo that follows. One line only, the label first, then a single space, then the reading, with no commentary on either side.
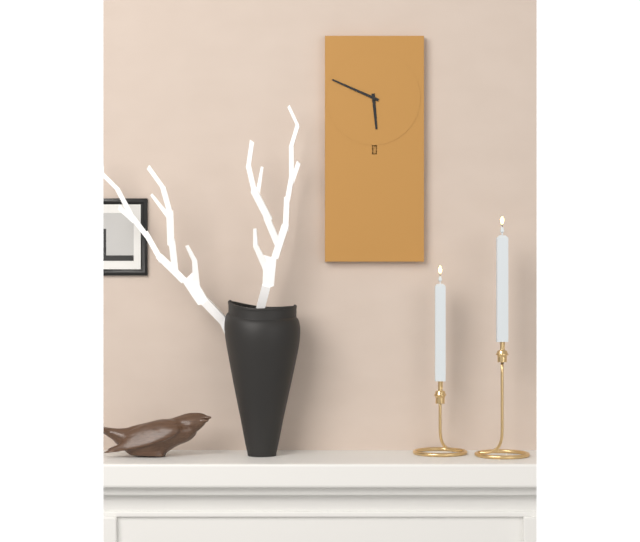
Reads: 5:49
